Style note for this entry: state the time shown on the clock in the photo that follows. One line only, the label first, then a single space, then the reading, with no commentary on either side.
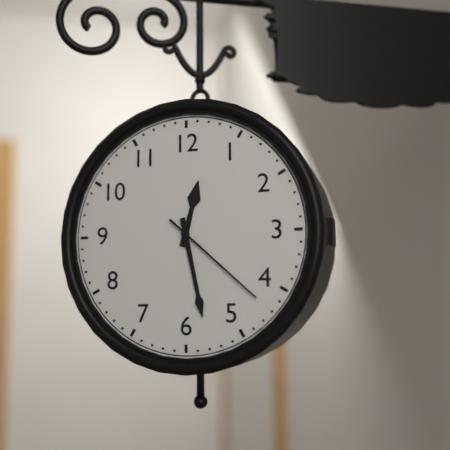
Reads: 12:28:22
